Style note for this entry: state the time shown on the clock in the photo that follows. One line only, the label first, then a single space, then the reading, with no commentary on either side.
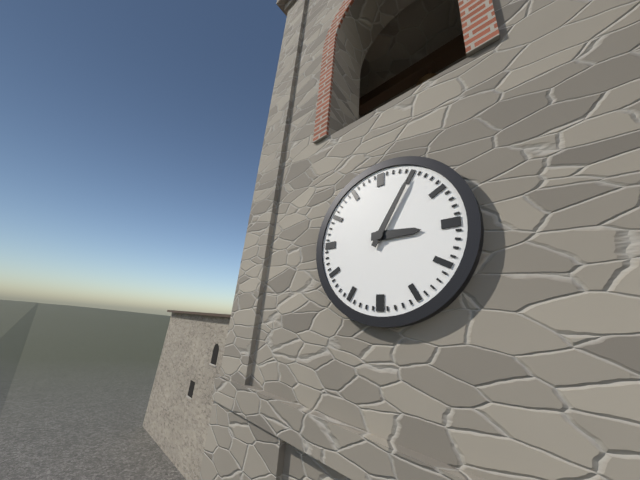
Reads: 3:05
